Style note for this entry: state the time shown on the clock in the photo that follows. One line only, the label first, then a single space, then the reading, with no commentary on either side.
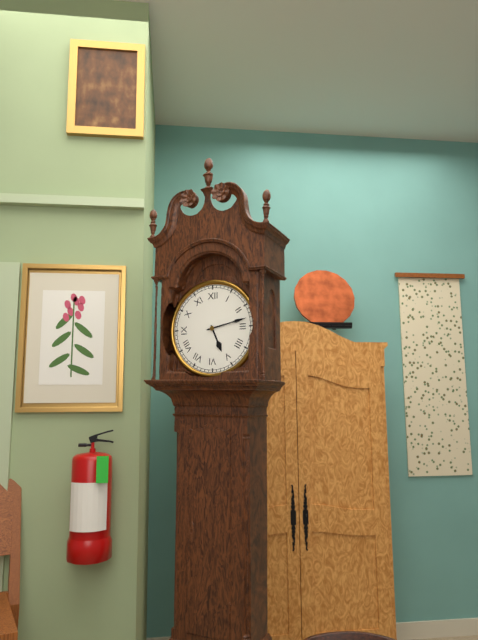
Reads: 5:13
